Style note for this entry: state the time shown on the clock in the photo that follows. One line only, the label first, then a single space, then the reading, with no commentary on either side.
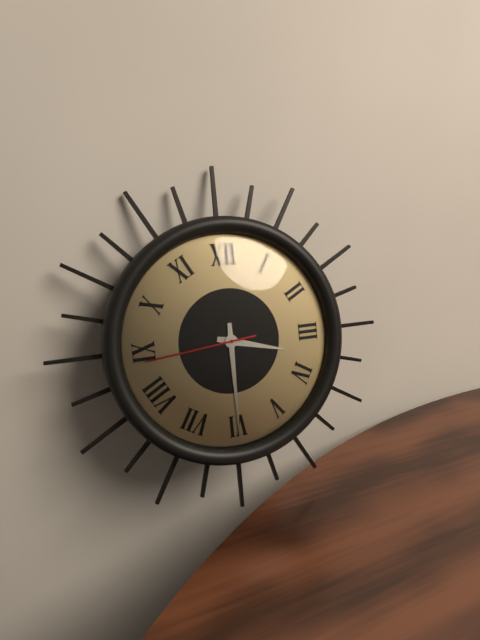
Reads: 3:30:44
